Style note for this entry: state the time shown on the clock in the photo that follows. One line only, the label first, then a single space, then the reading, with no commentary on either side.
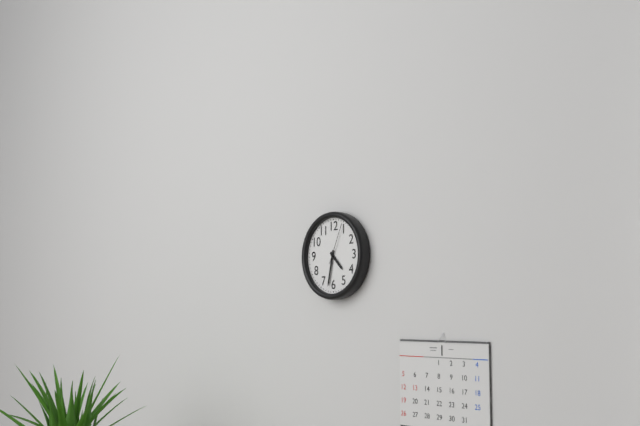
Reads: 4:32
